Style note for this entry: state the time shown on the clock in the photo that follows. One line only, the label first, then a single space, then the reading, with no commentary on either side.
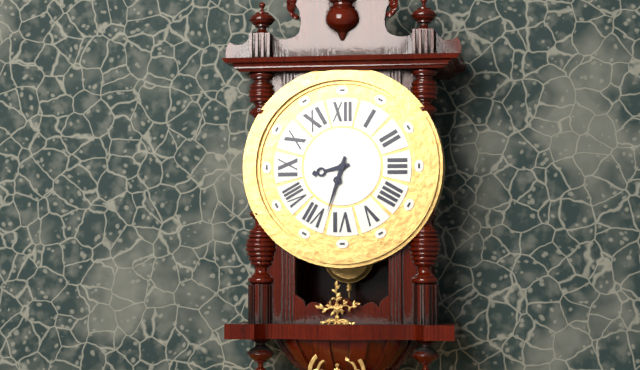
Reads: 8:33
